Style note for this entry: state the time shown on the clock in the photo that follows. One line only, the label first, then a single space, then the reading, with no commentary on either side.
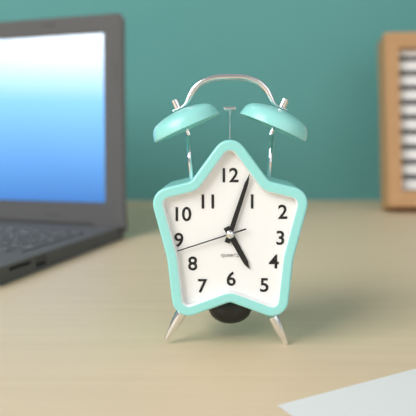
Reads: 5:03:42
